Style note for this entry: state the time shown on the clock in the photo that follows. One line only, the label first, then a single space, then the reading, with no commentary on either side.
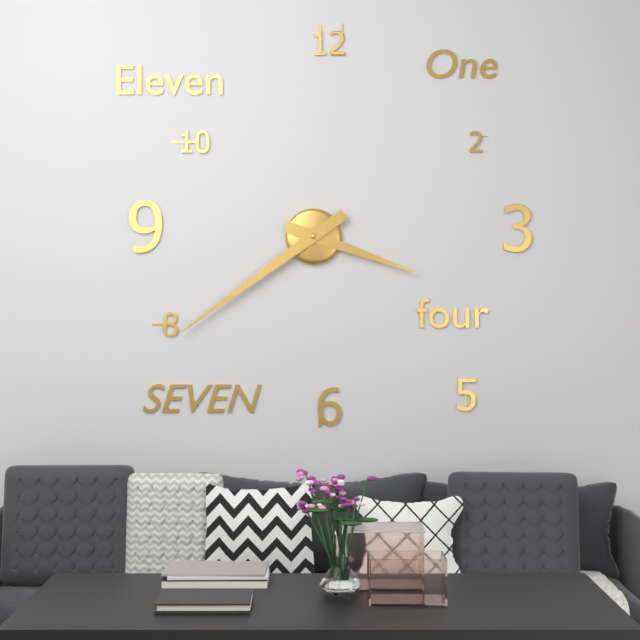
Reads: 3:39
